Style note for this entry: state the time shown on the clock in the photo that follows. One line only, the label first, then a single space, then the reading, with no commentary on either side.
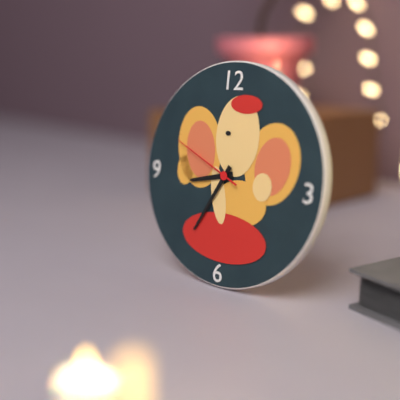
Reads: 8:35:49
